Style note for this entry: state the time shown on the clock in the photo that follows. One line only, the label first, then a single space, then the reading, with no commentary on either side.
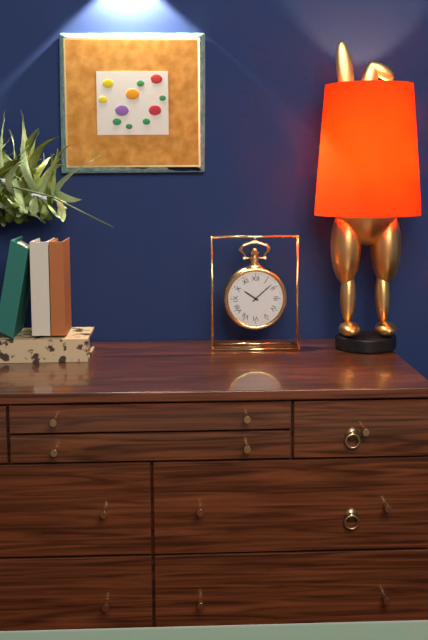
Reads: 10:08
